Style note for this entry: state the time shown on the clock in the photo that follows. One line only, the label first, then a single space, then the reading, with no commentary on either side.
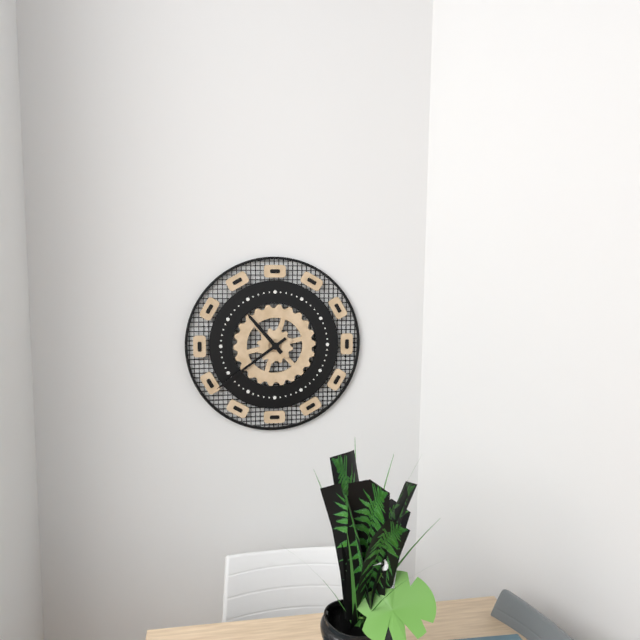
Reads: 10:39
